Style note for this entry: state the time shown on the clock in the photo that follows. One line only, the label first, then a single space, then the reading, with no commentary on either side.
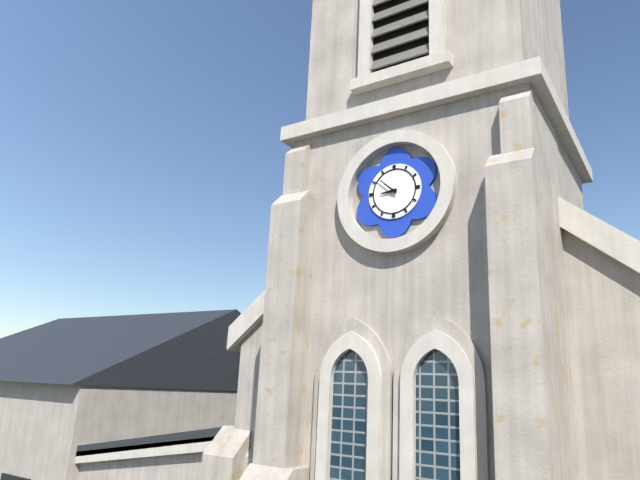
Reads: 8:52
